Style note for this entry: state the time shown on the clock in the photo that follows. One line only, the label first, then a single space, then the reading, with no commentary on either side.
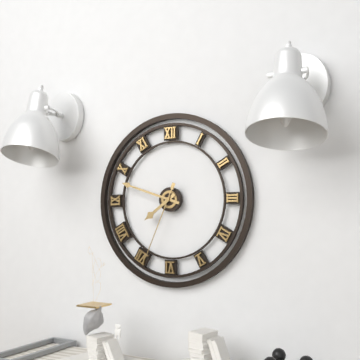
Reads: 7:48:34
